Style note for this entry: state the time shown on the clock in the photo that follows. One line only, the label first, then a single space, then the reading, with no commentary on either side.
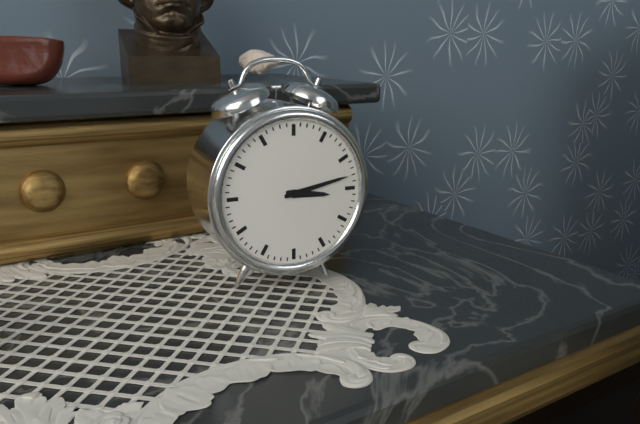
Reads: 3:13
